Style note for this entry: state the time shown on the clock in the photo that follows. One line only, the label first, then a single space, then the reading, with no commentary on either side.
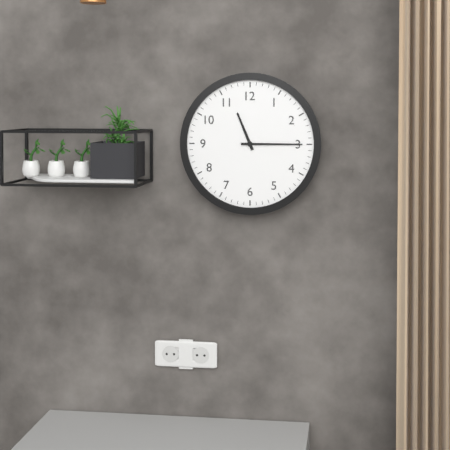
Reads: 11:15
